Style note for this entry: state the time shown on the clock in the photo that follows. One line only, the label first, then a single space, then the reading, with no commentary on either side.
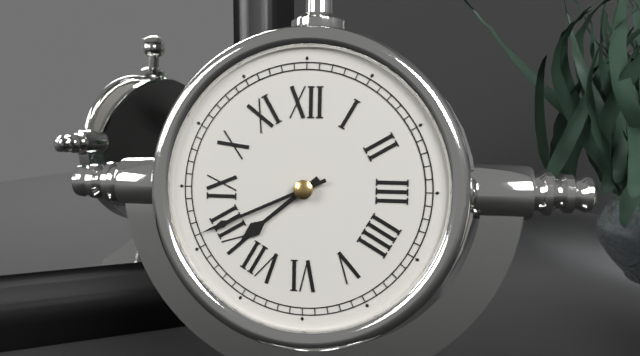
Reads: 7:41
